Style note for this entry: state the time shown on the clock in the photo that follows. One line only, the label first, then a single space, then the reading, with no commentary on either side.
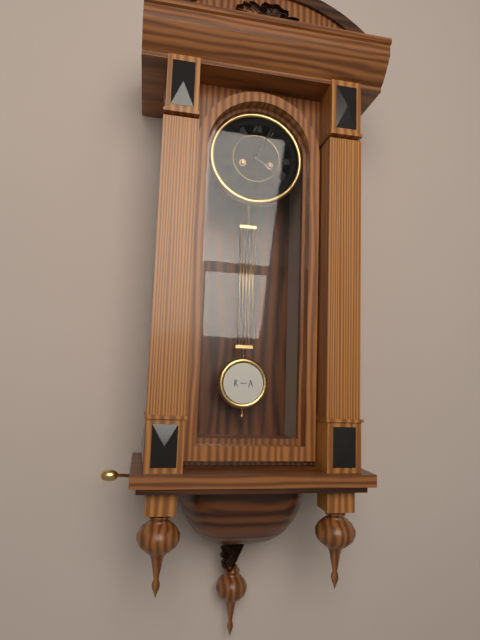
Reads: 4:04
